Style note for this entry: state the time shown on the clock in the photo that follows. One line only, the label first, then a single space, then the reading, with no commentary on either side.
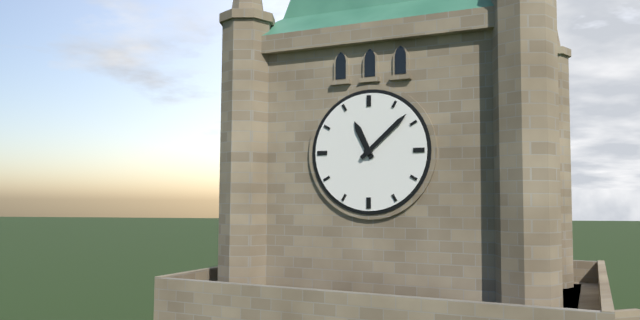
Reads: 11:08
